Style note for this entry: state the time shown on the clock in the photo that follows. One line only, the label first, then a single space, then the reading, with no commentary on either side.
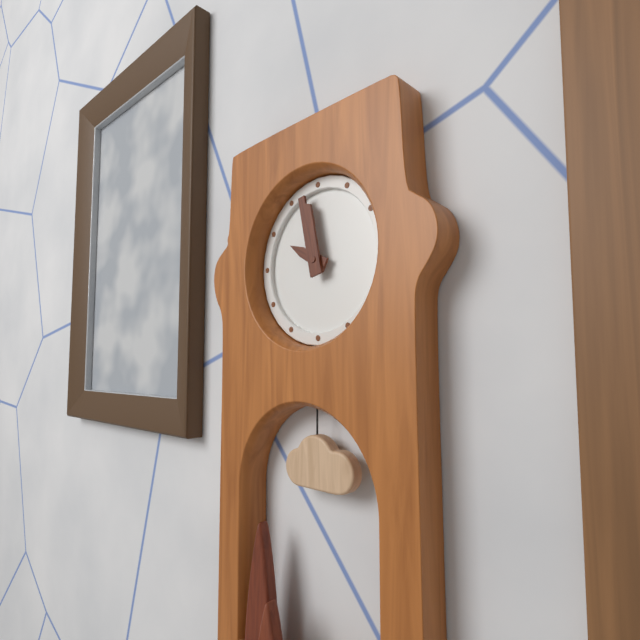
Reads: 9:58
